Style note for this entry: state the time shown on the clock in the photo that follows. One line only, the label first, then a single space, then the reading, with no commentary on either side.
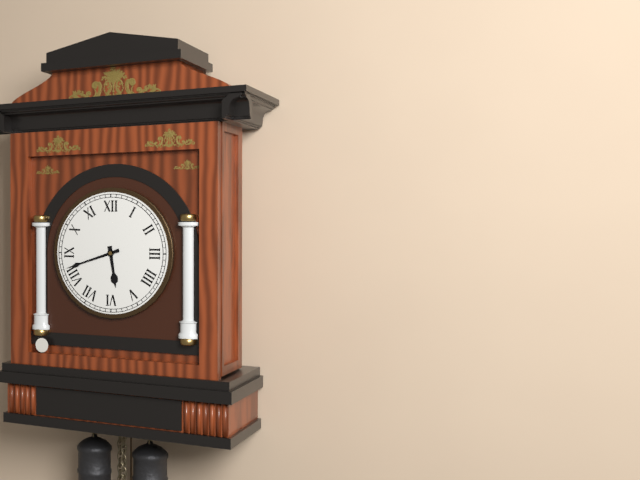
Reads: 5:42
